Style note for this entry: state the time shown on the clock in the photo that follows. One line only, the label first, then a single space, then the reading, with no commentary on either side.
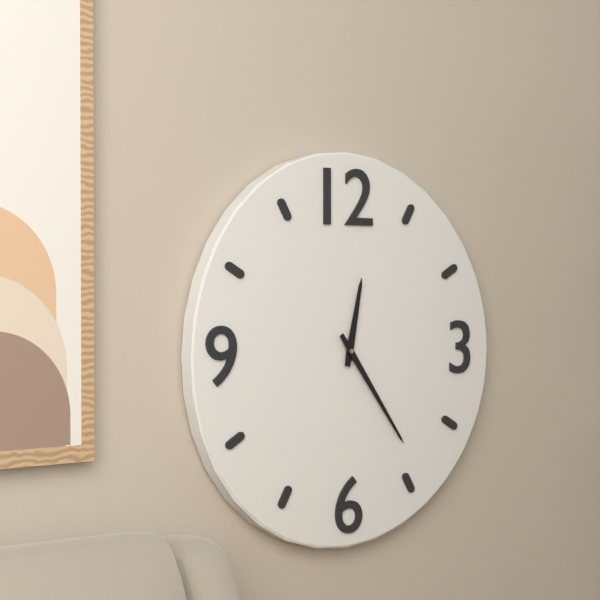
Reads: 12:24
